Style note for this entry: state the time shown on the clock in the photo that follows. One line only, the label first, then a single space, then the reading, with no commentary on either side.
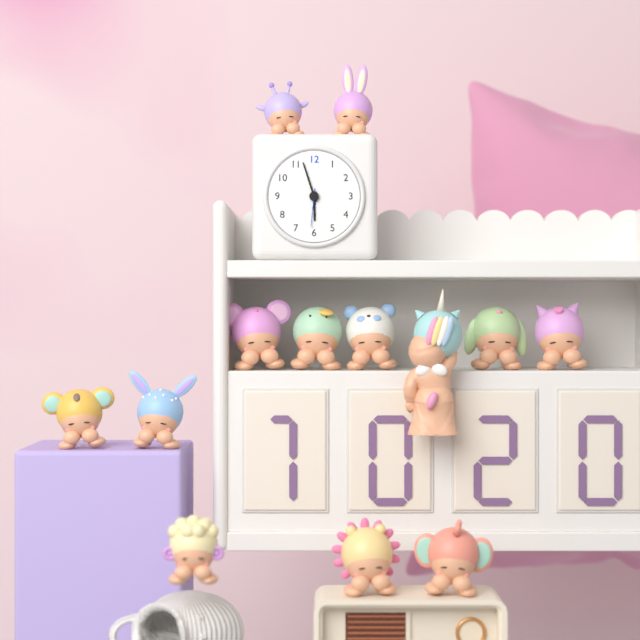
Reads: 5:57
